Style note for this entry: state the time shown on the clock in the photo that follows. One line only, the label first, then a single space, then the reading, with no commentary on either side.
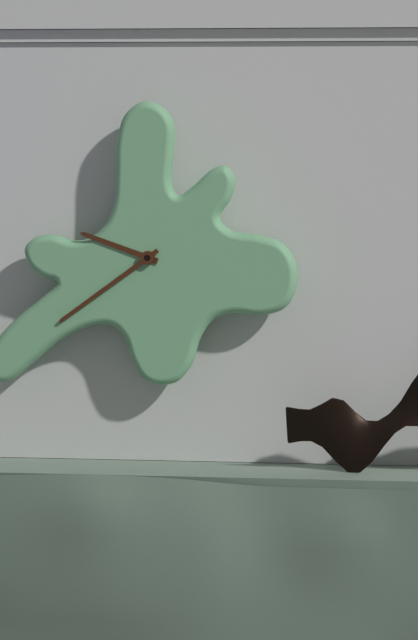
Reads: 9:39
